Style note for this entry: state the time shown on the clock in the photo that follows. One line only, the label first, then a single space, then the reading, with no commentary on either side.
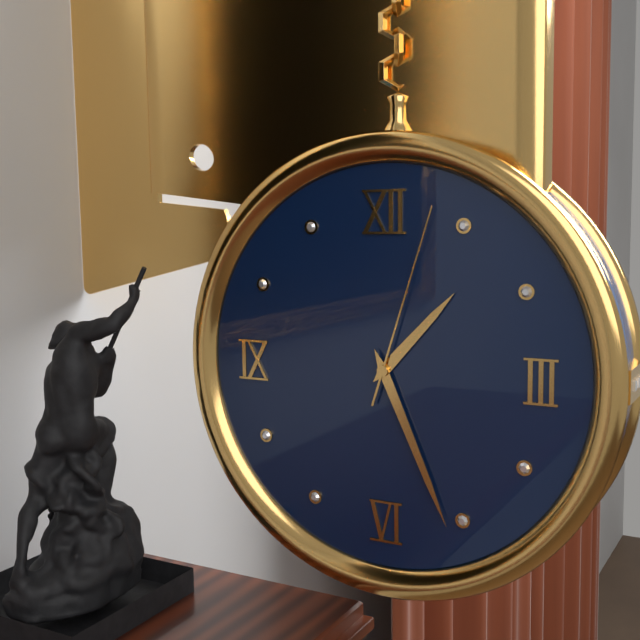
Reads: 1:26:03
